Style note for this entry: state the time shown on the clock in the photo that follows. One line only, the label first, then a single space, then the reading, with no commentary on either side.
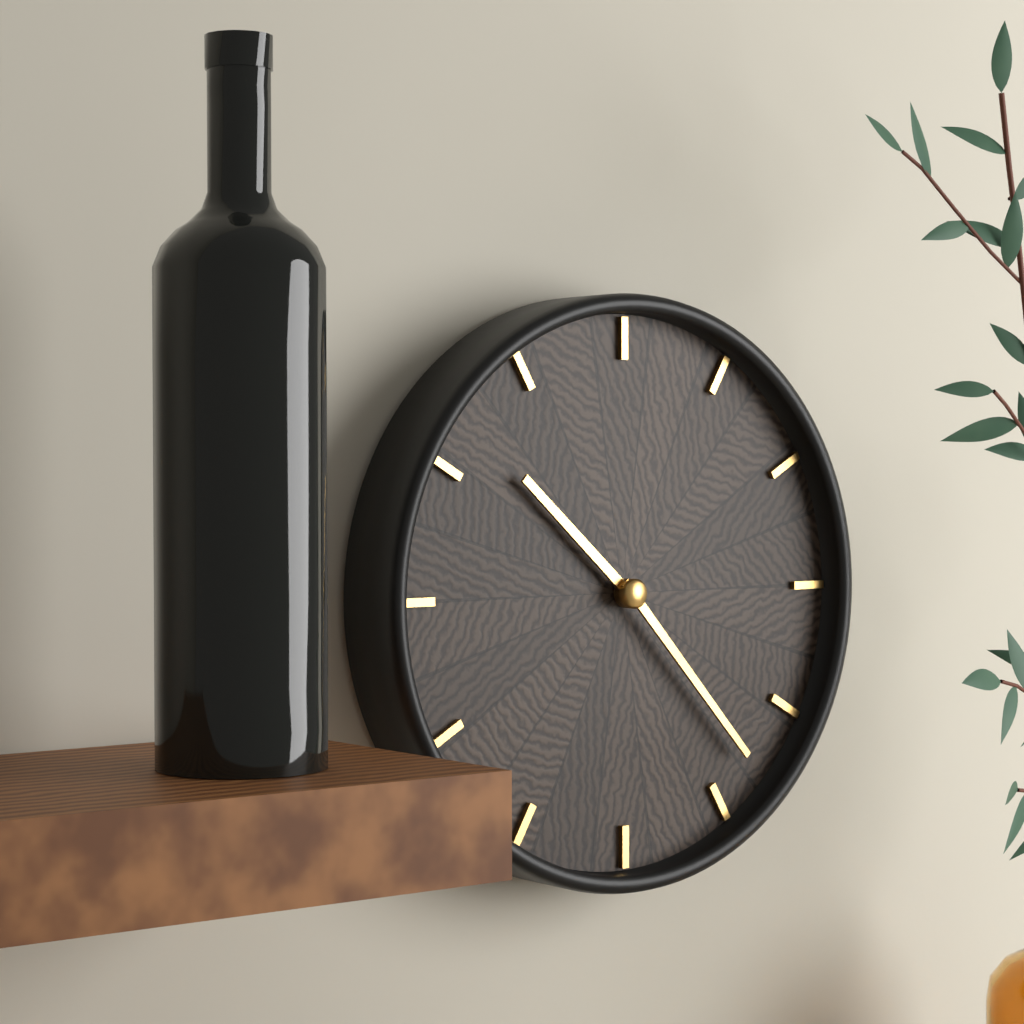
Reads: 10:23
